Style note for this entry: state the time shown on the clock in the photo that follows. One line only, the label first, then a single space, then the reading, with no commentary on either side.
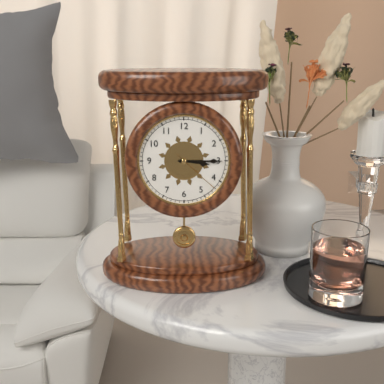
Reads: 3:15:22
